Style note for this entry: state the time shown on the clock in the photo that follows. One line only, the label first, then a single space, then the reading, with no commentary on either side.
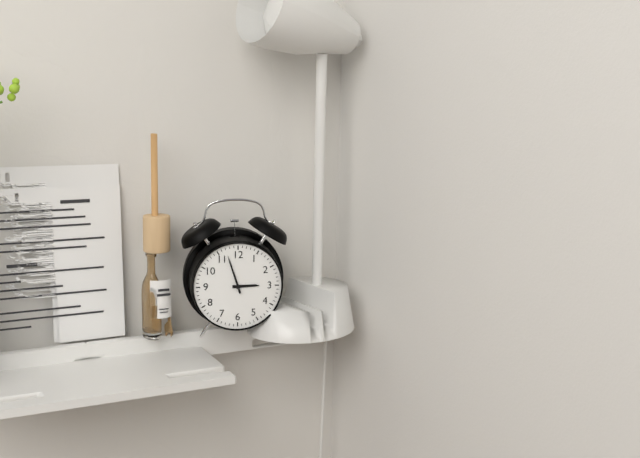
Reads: 2:57
